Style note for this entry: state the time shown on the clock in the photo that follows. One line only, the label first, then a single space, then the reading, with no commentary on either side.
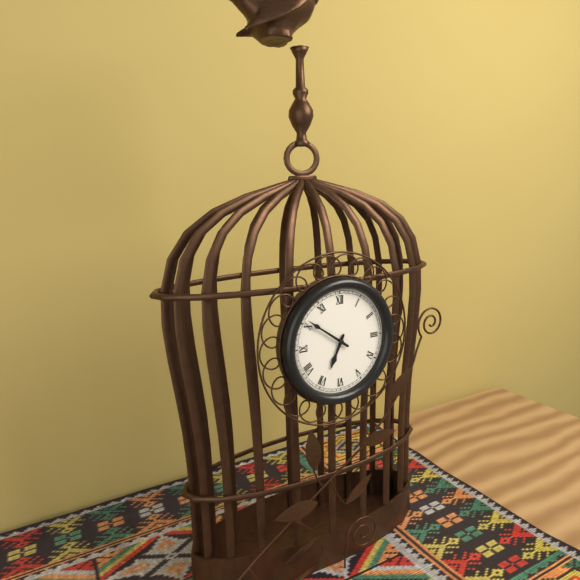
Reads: 6:51
